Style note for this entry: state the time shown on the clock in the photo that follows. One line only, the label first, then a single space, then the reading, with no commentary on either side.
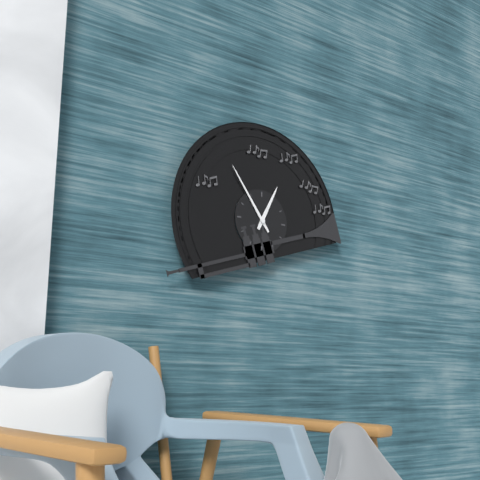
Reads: 12:54
